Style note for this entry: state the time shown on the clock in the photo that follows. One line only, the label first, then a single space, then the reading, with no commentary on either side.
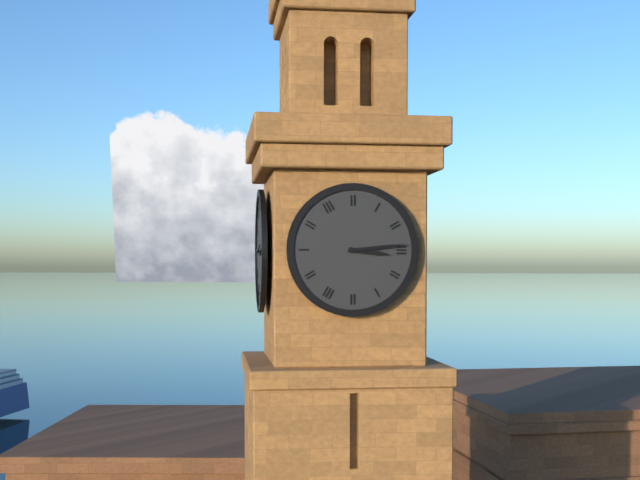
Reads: 3:14
